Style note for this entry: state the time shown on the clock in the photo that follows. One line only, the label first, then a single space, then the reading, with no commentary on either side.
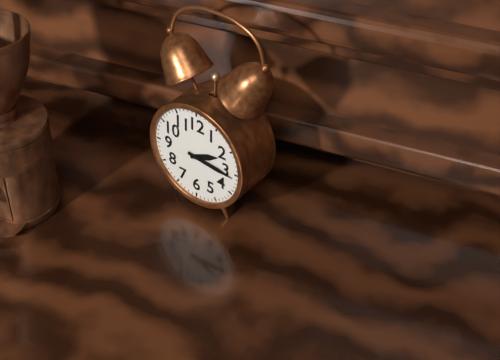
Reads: 2:16
